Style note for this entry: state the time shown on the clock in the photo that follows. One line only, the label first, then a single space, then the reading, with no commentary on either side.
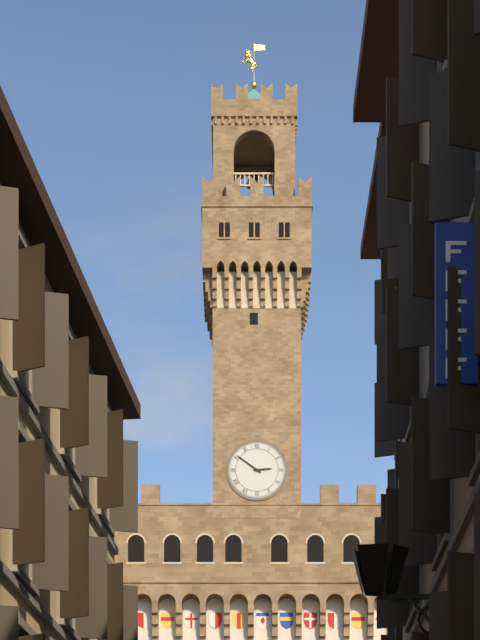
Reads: 2:51
